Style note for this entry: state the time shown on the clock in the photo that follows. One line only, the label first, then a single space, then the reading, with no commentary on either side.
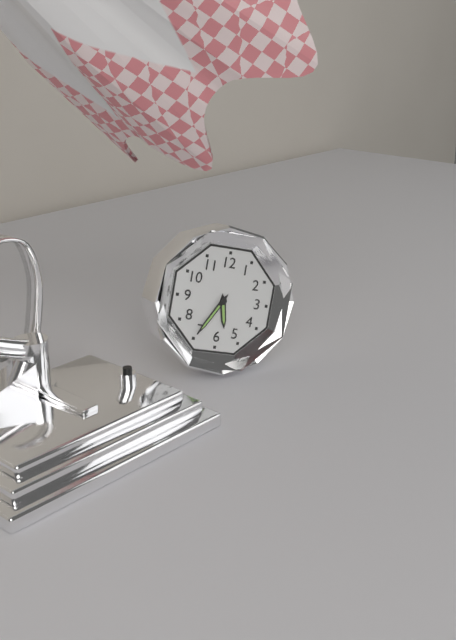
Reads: 5:35
